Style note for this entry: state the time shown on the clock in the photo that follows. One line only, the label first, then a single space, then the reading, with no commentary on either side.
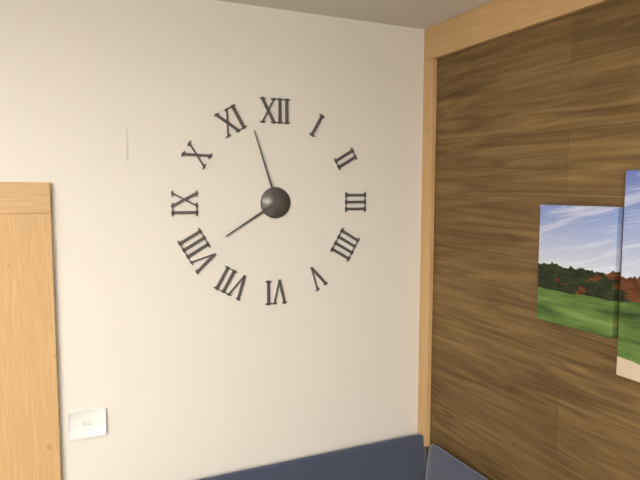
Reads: 7:57
